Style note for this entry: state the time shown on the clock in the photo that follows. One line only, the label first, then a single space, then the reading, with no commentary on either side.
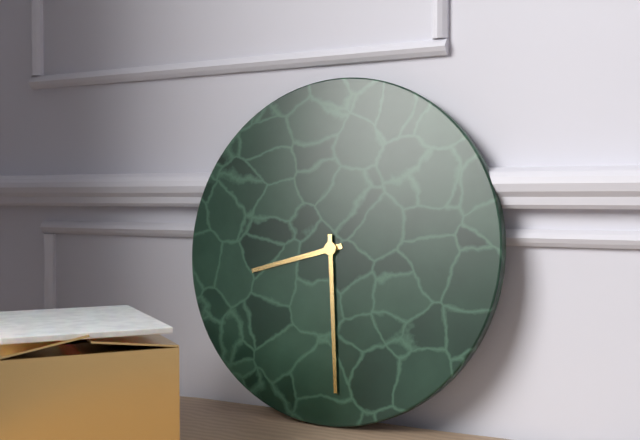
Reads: 8:29
